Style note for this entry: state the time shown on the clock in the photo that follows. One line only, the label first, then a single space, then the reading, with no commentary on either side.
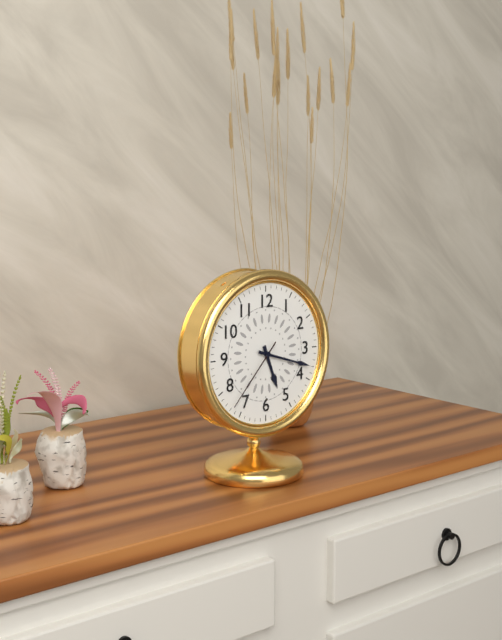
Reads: 5:18:37
